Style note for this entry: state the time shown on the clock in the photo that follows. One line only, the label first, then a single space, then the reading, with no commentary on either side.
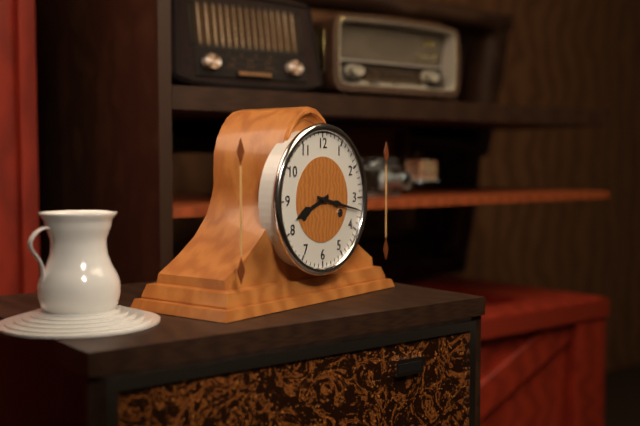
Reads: 8:17
